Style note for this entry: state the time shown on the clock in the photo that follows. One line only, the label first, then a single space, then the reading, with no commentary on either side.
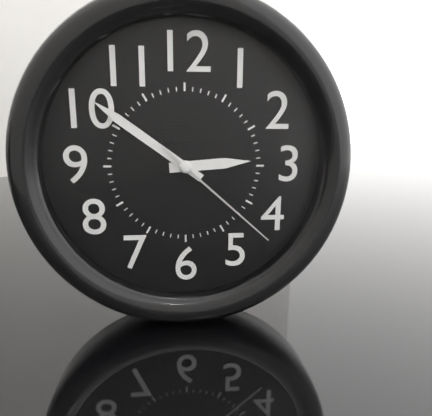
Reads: 2:51:22
